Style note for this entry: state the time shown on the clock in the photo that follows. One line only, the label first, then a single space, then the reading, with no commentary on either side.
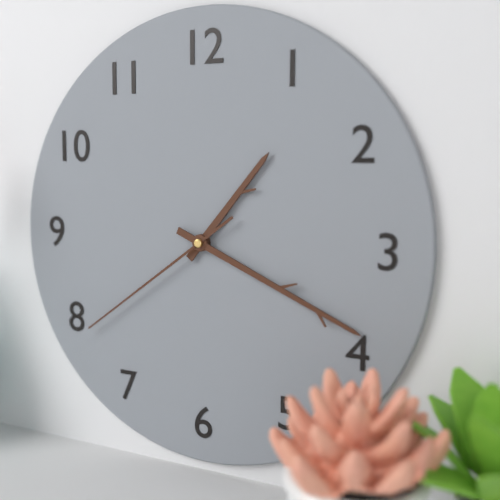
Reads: 1:19:39
